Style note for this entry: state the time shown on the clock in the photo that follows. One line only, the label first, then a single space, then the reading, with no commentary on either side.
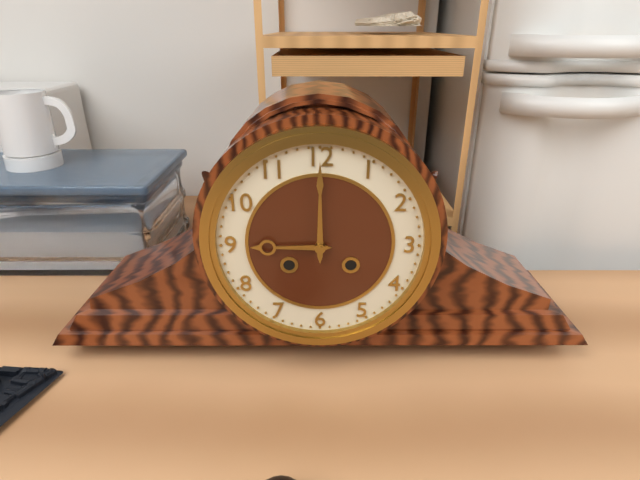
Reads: 9:00
